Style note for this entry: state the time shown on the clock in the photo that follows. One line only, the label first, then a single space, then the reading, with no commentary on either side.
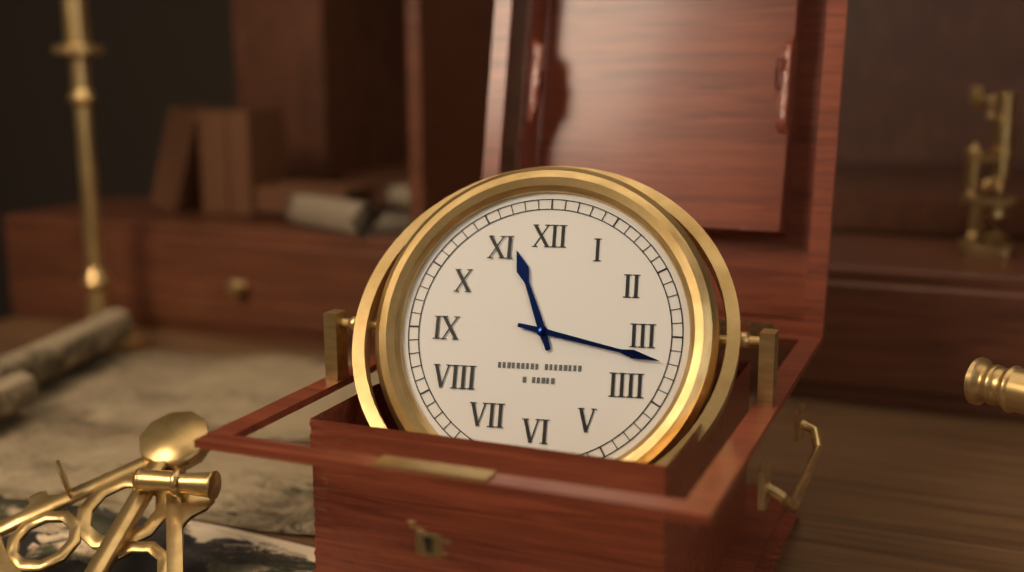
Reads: 11:17
